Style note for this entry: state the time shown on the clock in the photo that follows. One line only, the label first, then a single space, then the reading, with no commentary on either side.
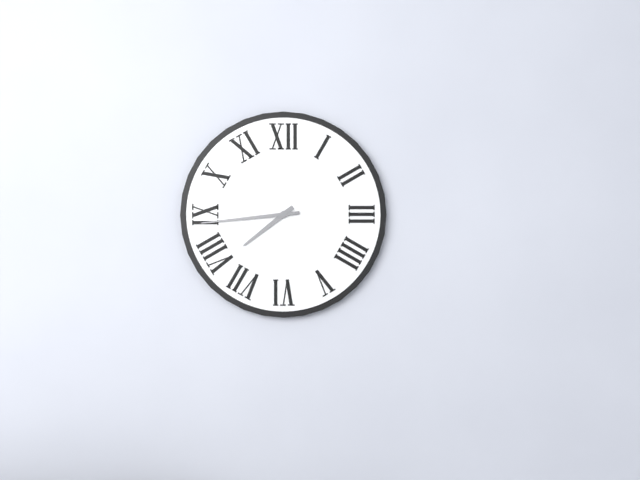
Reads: 7:44
